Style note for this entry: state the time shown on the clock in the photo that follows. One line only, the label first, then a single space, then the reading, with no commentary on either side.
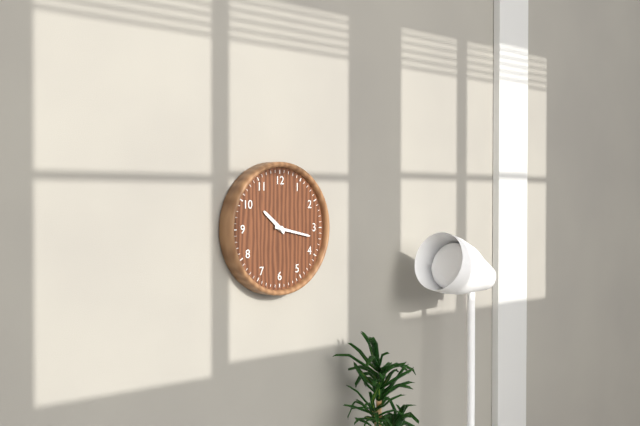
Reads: 10:17
